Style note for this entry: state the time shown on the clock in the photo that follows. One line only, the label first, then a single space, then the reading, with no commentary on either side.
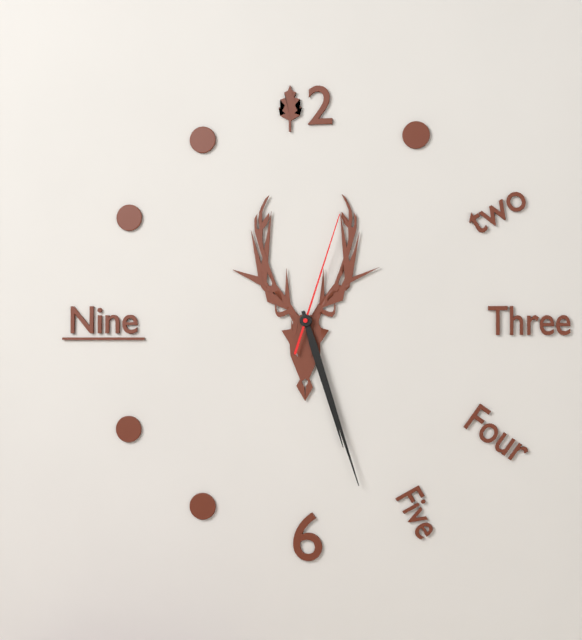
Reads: 5:27:03
